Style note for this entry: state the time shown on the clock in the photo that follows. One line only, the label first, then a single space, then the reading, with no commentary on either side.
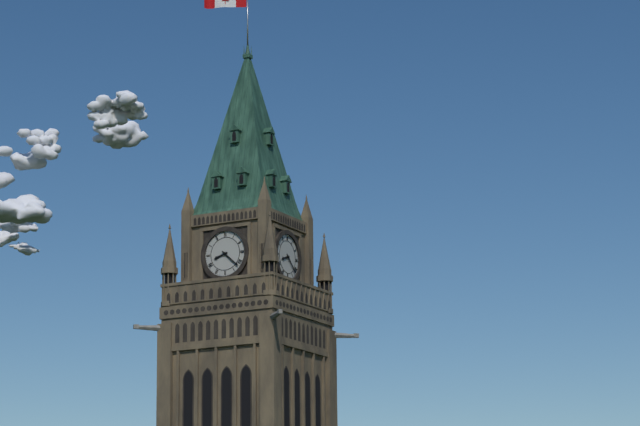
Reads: 8:22
